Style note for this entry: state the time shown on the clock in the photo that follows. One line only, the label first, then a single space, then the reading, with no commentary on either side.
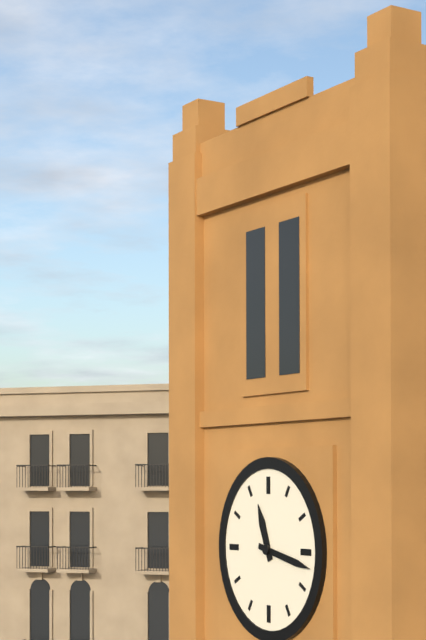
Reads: 11:17
